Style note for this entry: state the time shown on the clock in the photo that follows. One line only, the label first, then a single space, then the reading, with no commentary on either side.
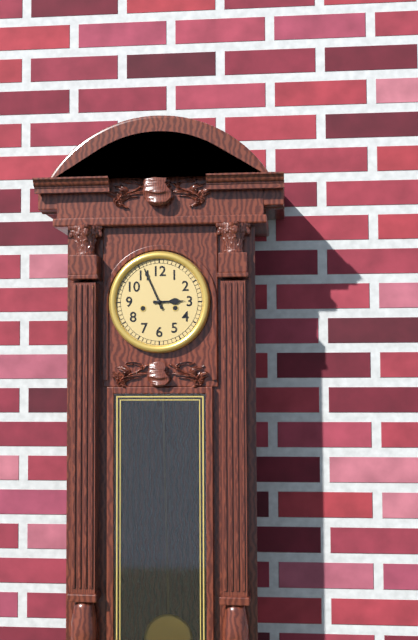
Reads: 2:56
